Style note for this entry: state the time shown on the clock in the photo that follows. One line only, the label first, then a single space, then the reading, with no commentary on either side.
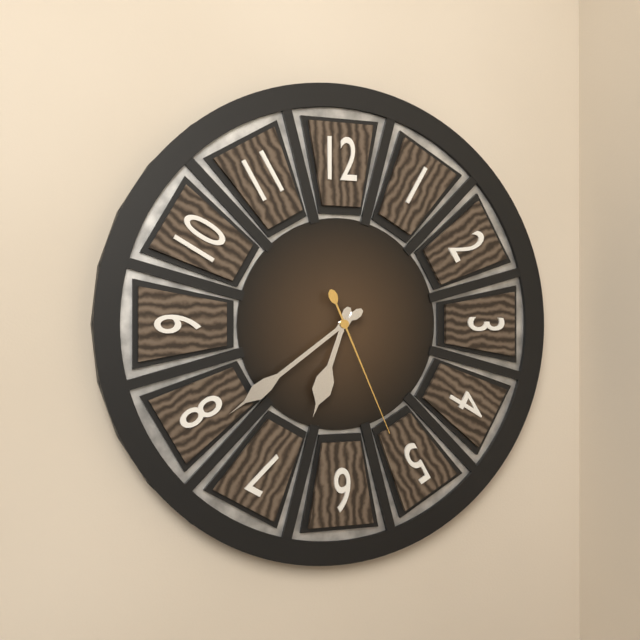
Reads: 6:39:26
